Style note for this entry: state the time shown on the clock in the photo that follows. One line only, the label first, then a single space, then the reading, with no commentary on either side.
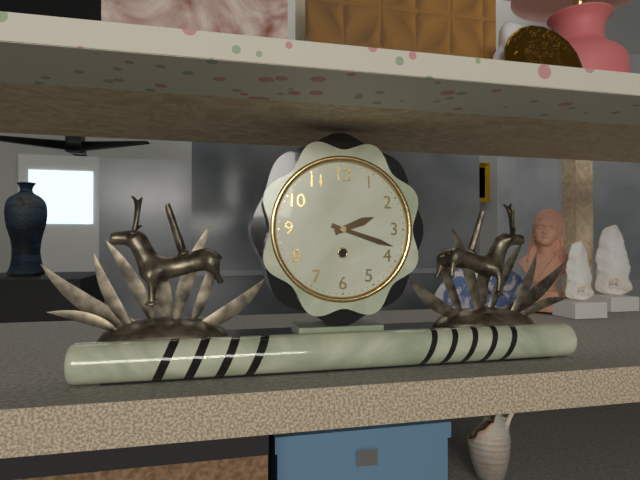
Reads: 2:18
